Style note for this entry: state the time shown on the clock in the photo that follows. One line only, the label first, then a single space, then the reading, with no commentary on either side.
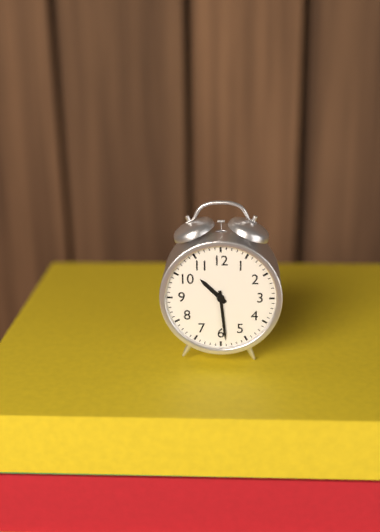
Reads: 10:29
